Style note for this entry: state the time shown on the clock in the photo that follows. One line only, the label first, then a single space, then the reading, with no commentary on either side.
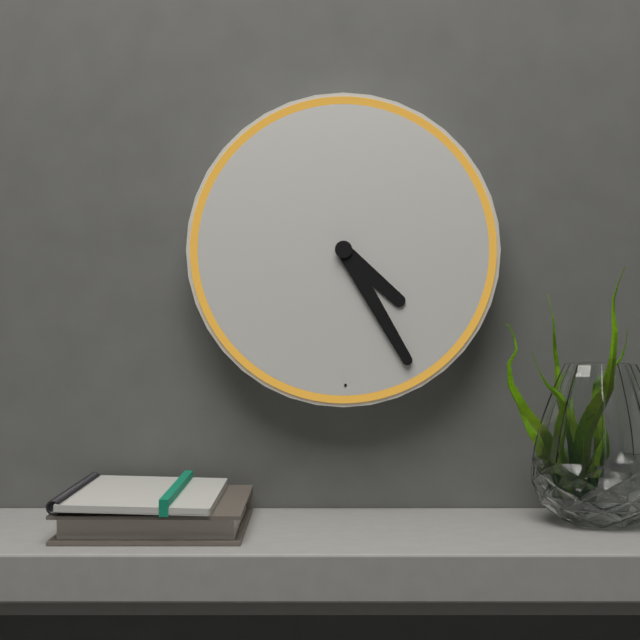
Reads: 4:25
